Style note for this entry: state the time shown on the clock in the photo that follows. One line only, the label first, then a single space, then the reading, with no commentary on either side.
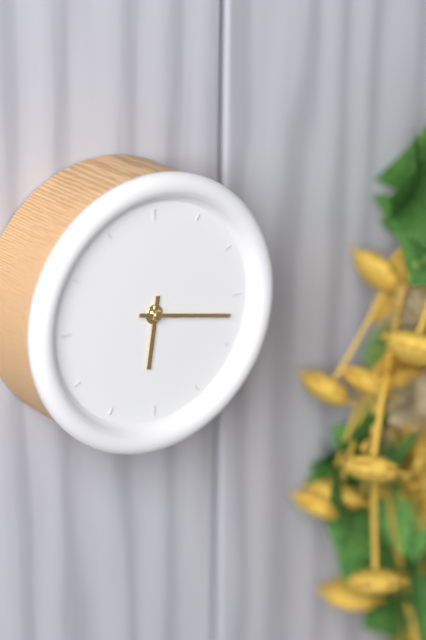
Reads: 6:17
